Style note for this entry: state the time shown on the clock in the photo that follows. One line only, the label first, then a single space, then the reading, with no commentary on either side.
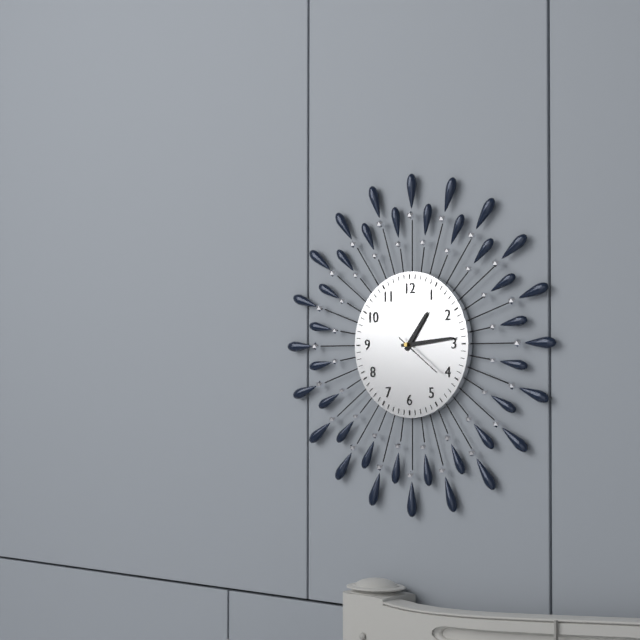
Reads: 1:14:21
